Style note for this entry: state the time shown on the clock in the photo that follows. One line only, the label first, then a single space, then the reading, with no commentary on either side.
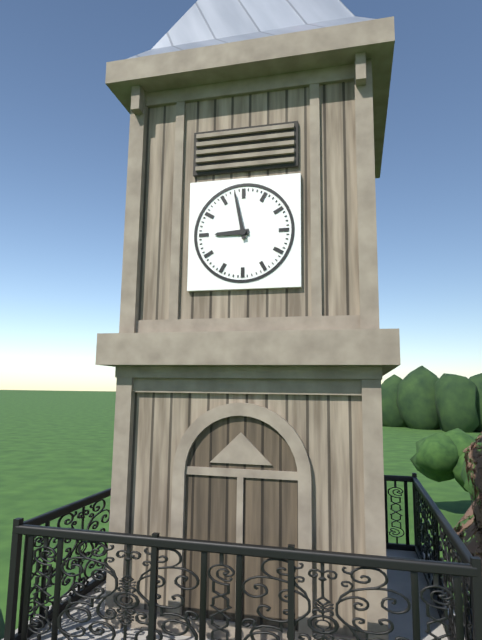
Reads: 8:58
